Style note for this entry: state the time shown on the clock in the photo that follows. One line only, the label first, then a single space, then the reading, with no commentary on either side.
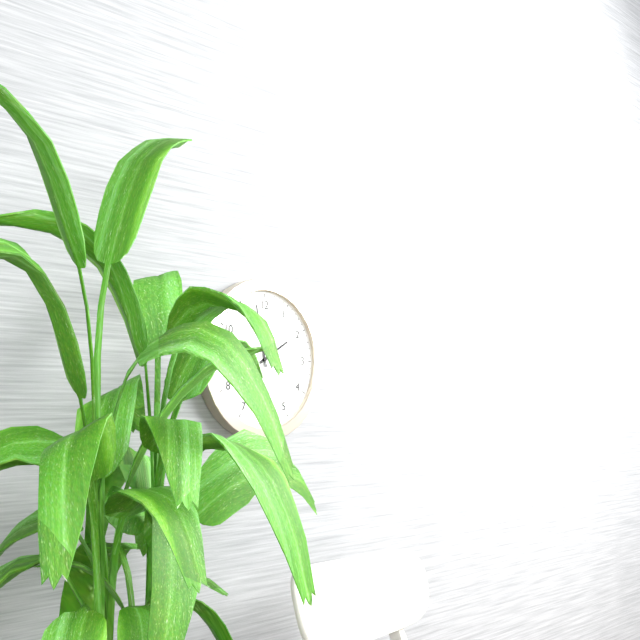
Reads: 1:58
